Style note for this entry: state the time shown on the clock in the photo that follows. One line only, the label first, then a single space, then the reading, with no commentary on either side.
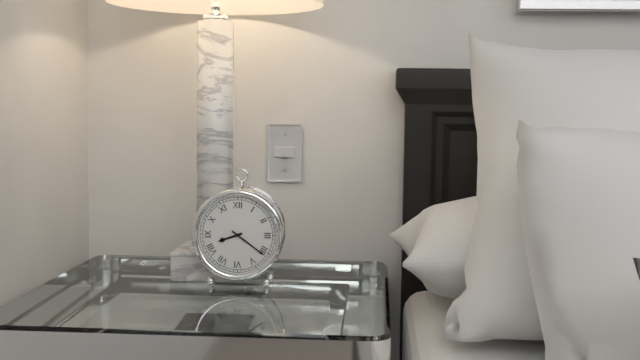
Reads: 8:21
